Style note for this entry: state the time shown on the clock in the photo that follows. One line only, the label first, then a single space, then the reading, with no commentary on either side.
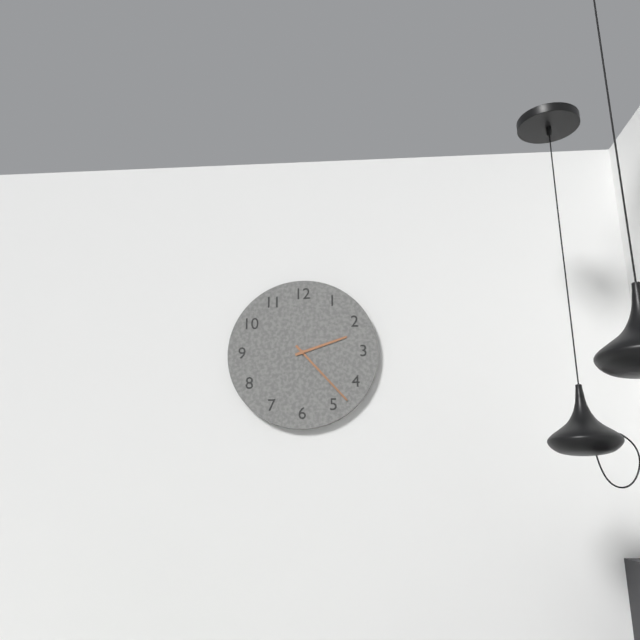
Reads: 2:23
